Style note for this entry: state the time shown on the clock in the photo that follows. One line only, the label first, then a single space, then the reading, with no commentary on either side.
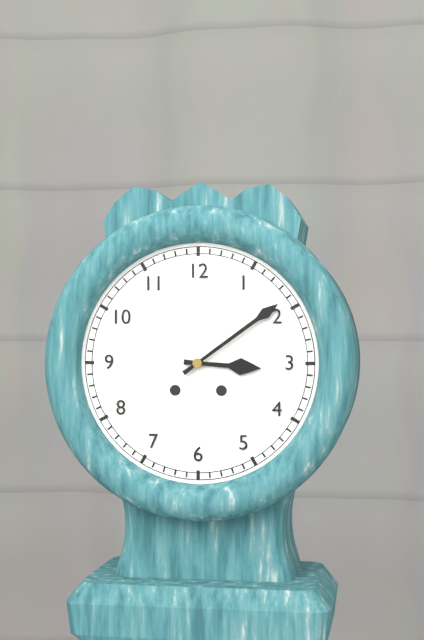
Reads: 3:09
